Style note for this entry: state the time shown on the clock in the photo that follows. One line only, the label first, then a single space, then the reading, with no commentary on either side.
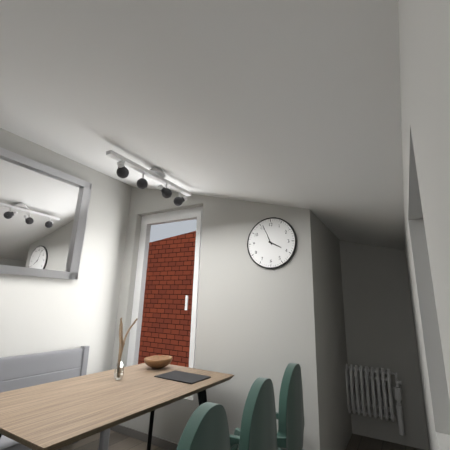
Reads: 3:56
